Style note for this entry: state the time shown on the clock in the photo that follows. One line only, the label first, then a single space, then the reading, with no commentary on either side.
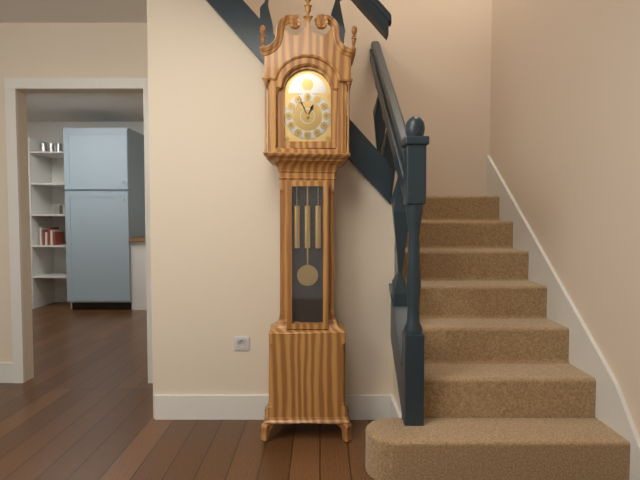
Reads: 12:56
